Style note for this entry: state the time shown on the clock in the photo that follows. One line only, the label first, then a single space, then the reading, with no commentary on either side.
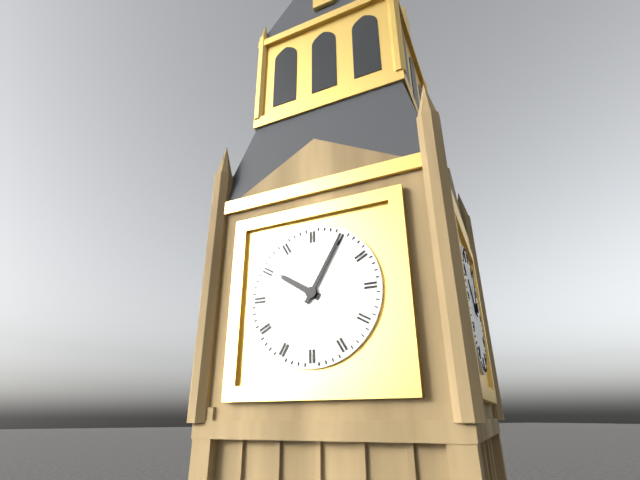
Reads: 10:05
